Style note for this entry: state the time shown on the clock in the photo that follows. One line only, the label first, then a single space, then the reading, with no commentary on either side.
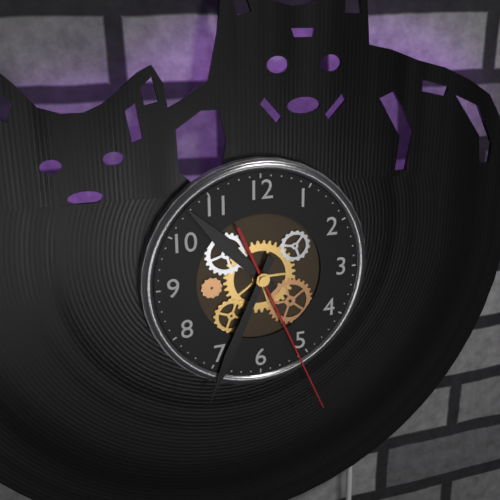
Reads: 10:34:26
